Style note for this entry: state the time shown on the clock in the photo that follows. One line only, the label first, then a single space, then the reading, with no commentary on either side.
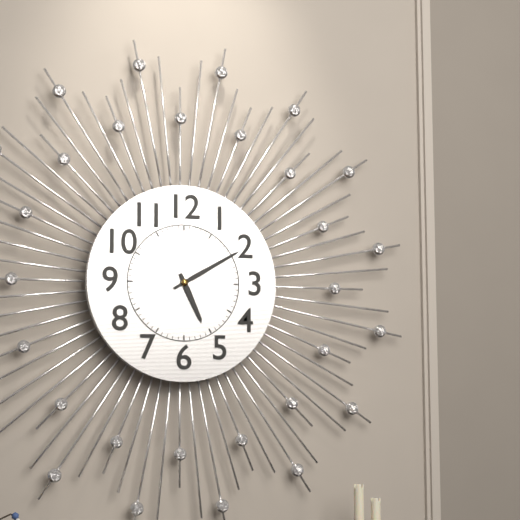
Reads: 5:10
